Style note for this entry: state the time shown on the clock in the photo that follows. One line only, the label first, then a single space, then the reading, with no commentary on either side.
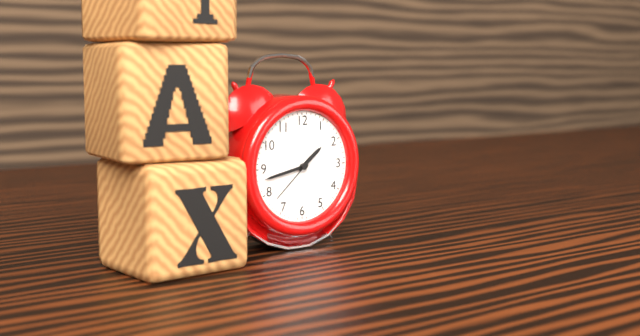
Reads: 1:43:38
